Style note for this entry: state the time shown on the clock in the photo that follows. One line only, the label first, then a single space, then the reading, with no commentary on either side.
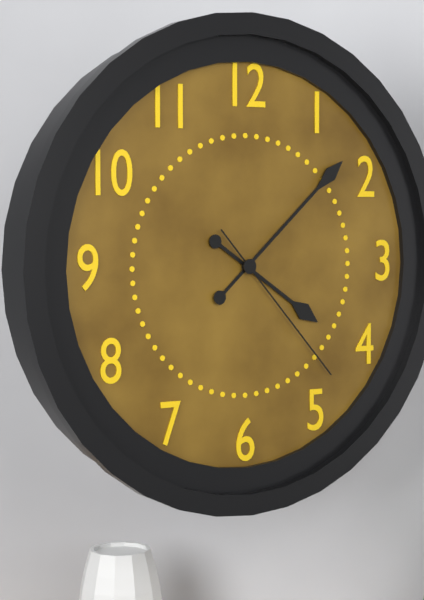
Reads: 4:08:23
